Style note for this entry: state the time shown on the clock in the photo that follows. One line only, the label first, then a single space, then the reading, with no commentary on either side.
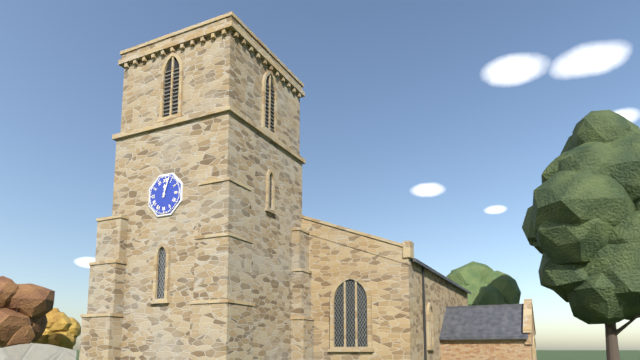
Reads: 12:03
